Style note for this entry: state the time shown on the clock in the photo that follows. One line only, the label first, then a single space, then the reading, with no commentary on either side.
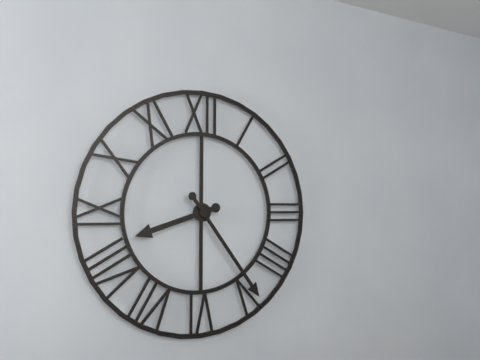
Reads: 8:24
